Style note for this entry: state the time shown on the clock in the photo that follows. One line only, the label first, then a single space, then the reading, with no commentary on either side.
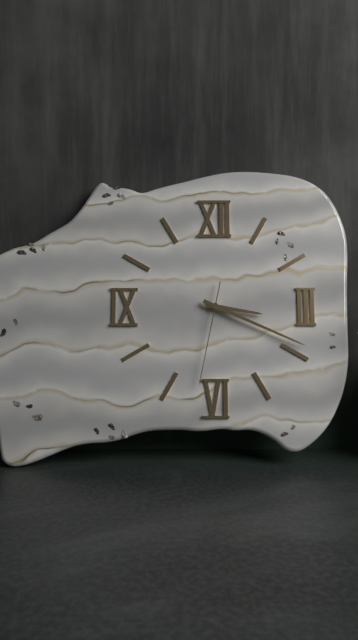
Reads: 3:19:32
